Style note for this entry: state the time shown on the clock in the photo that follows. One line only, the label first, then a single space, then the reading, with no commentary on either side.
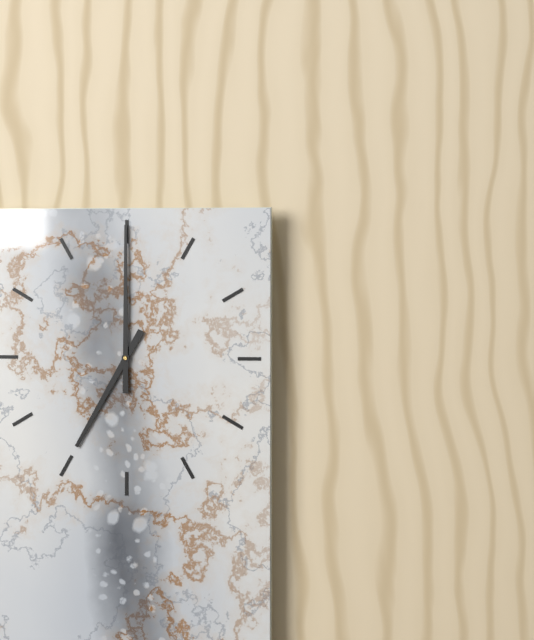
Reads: 7:00
